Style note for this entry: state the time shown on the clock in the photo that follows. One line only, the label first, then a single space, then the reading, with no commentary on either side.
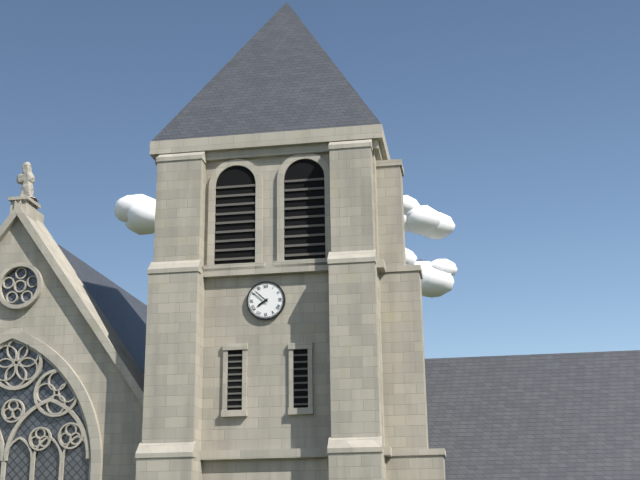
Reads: 7:52
